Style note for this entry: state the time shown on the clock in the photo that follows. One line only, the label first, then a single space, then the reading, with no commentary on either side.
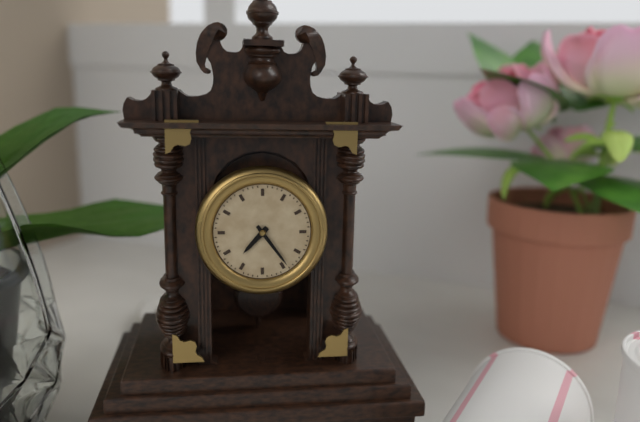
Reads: 7:24
